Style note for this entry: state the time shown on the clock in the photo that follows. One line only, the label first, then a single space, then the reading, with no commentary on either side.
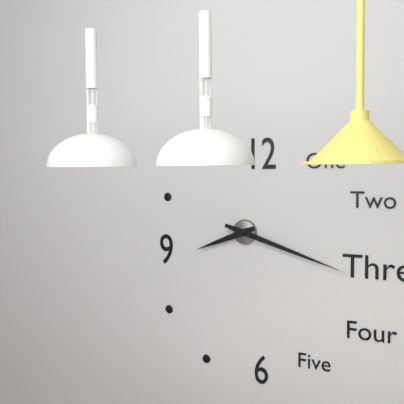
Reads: 8:18
